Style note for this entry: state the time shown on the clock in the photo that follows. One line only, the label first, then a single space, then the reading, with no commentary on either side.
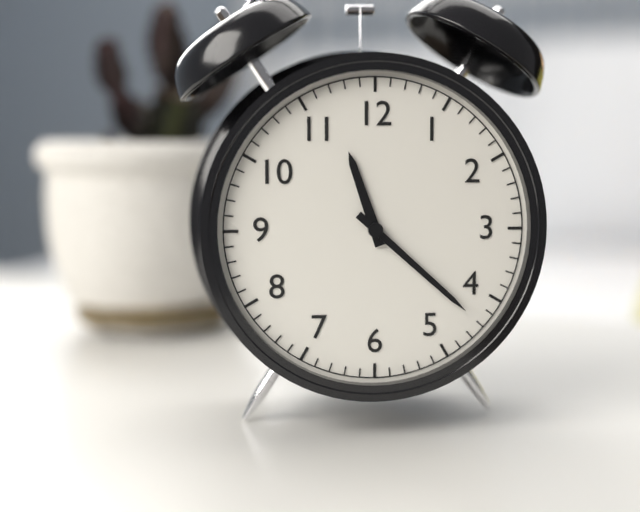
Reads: 11:22
